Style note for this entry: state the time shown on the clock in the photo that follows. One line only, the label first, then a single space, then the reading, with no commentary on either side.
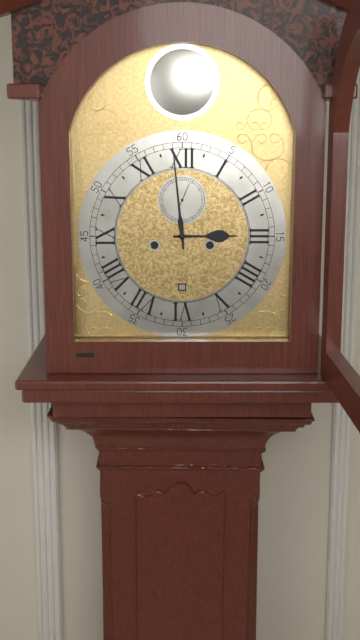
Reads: 2:59
